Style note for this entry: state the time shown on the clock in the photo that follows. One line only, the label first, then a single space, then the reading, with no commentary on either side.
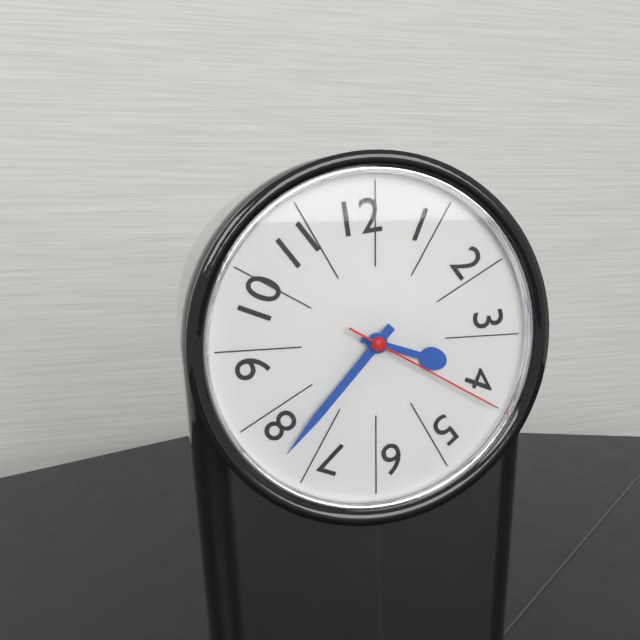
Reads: 3:37:20
